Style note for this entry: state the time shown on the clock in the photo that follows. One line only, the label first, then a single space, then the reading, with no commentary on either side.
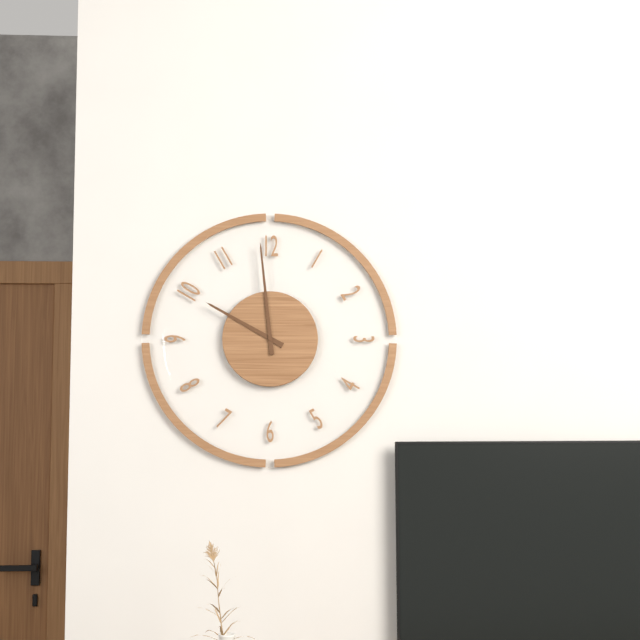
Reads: 9:59
